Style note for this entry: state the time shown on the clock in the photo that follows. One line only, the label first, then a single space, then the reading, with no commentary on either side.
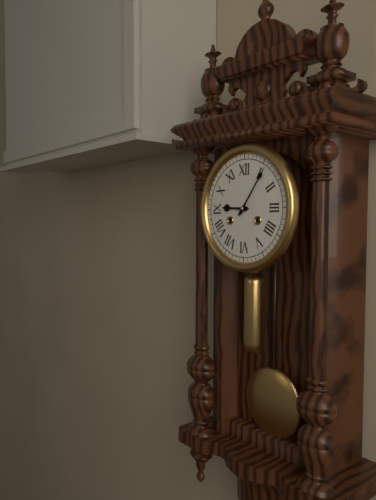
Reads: 9:06
